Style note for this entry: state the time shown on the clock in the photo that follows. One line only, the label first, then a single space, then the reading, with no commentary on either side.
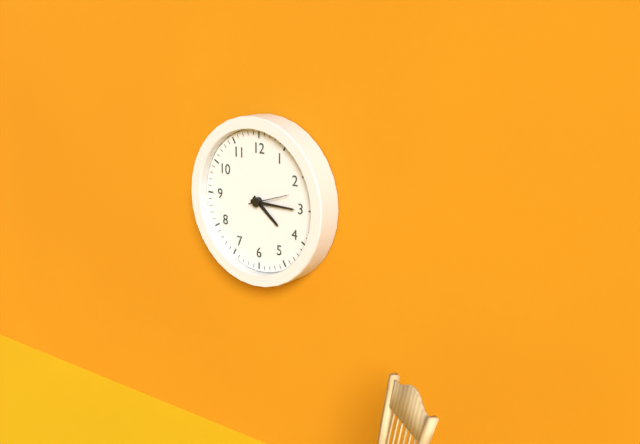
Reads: 4:15
